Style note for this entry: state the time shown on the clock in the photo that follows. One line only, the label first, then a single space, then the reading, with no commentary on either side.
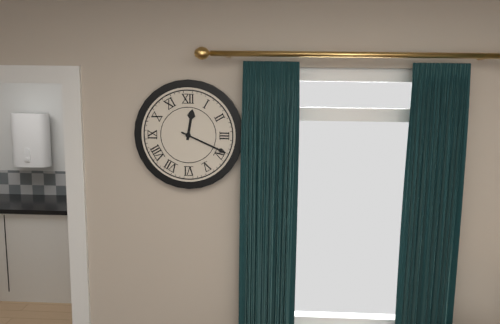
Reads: 12:19
